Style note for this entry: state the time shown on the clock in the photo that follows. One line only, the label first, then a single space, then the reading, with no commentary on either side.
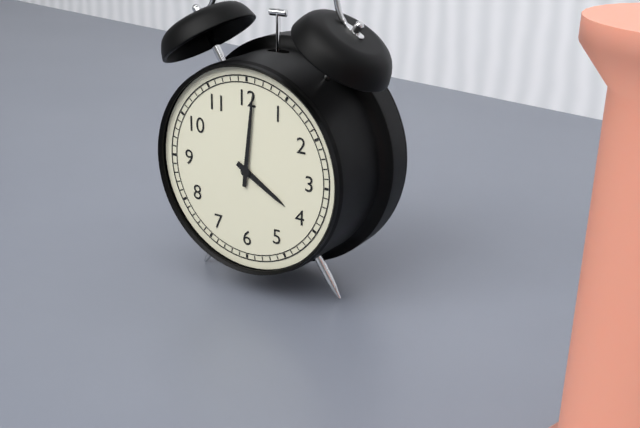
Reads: 4:01
